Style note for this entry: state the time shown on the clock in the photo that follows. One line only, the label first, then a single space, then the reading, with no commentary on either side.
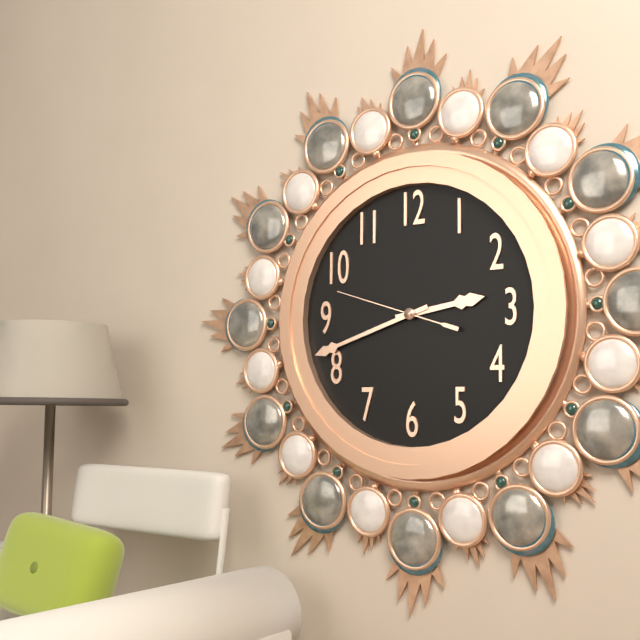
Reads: 2:42:48
